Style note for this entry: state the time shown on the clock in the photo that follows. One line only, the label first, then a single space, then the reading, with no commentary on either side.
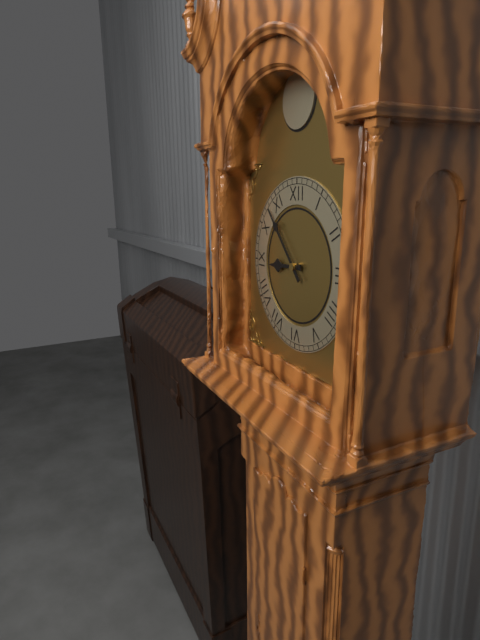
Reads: 8:53
